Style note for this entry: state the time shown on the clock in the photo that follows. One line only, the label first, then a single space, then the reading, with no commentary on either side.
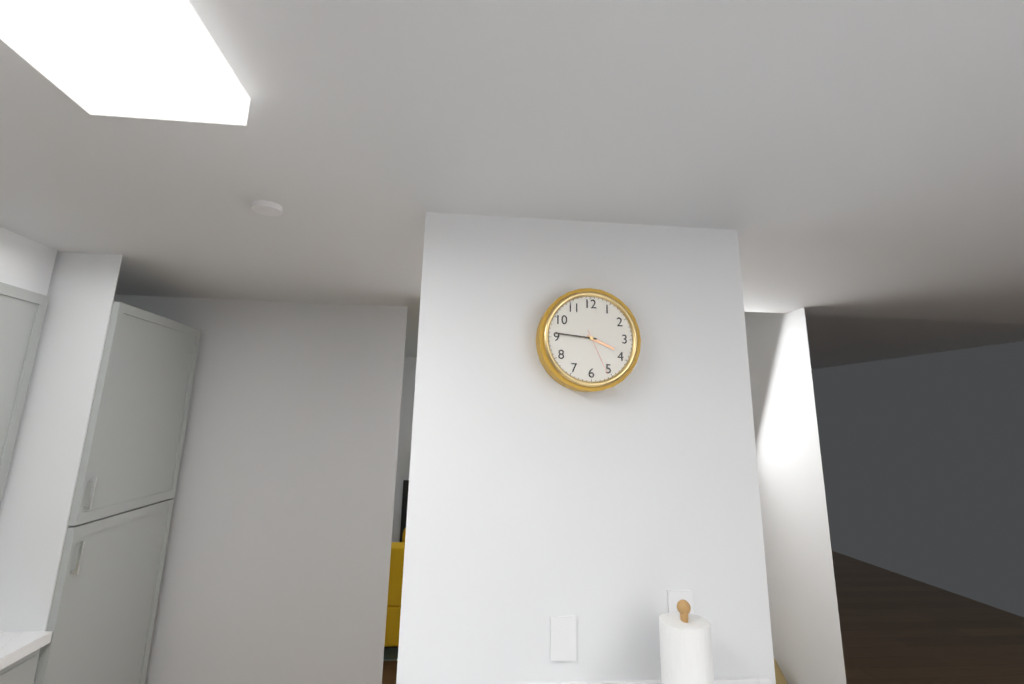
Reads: 3:46
